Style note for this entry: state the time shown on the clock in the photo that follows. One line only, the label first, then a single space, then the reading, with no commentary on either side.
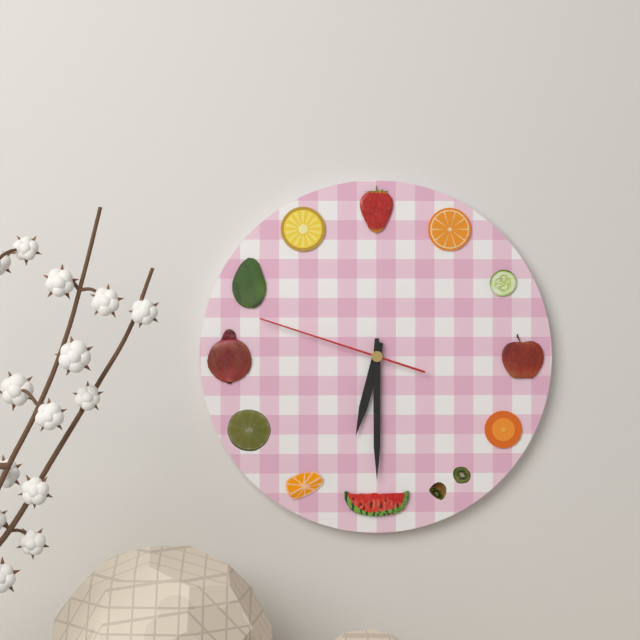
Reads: 6:30:48
